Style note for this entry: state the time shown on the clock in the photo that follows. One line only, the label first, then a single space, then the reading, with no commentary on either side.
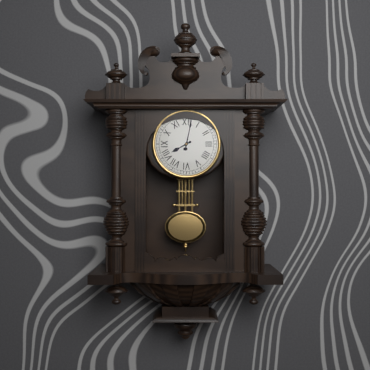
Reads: 8:02
